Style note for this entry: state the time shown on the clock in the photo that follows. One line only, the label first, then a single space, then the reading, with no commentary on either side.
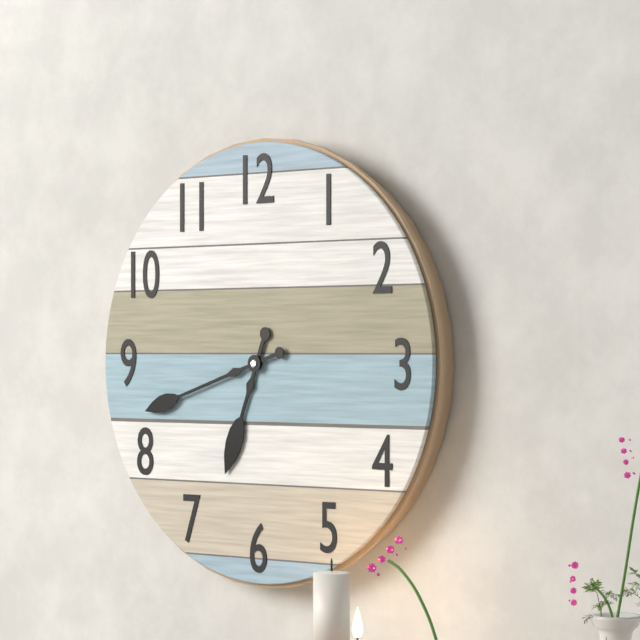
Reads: 6:42
